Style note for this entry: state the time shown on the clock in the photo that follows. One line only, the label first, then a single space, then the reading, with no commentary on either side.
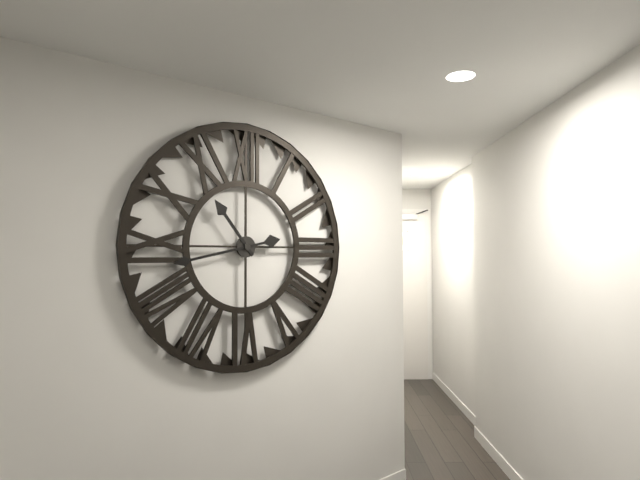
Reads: 10:43
